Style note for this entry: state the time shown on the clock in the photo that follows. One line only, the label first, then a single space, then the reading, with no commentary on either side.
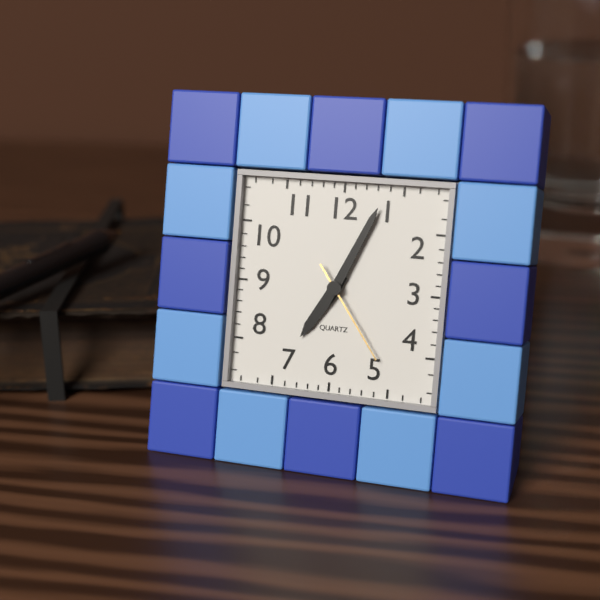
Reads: 7:04:24
